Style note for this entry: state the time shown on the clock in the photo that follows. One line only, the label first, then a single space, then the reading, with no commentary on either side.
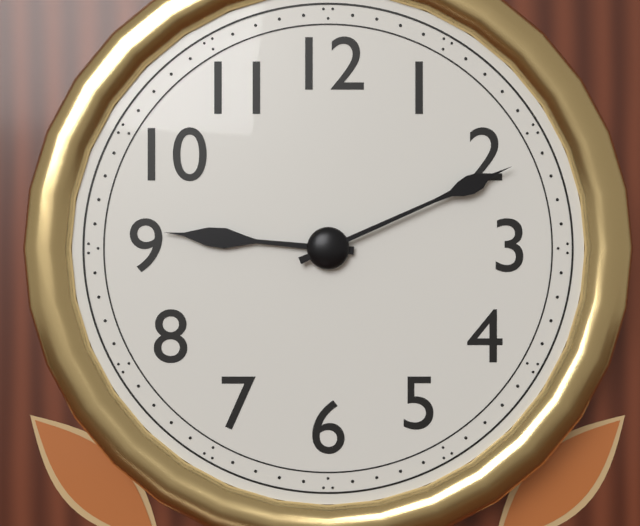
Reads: 9:11
